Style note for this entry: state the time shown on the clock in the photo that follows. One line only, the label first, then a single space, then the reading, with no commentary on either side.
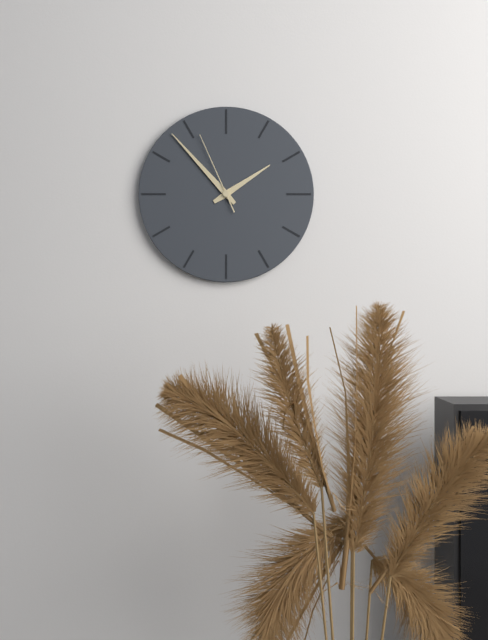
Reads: 1:53:56
